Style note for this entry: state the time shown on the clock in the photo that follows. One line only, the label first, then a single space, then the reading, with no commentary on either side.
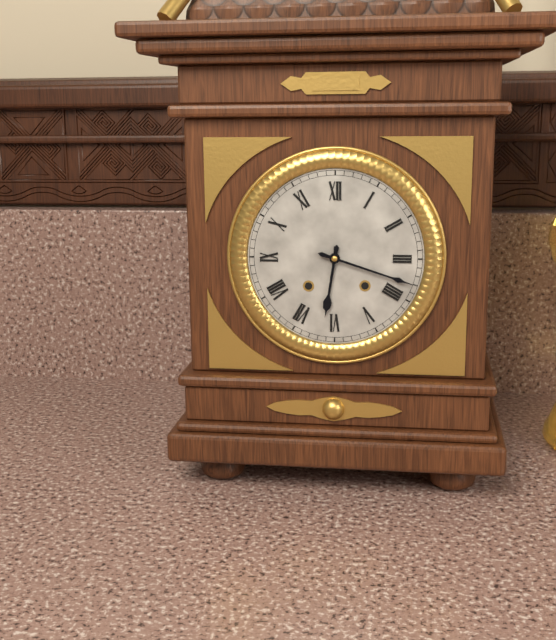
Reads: 6:18
